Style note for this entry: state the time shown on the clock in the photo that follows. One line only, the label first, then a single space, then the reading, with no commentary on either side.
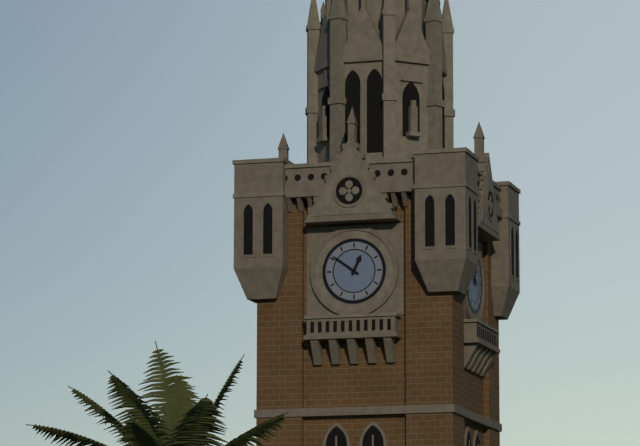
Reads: 12:51
